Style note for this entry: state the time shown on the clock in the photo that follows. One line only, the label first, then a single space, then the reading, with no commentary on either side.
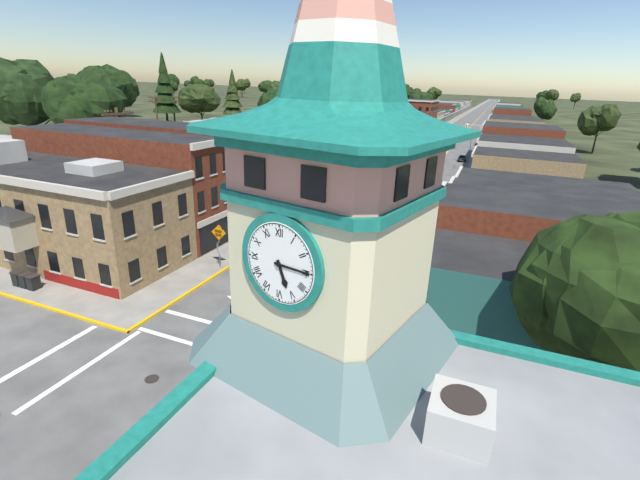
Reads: 5:15
